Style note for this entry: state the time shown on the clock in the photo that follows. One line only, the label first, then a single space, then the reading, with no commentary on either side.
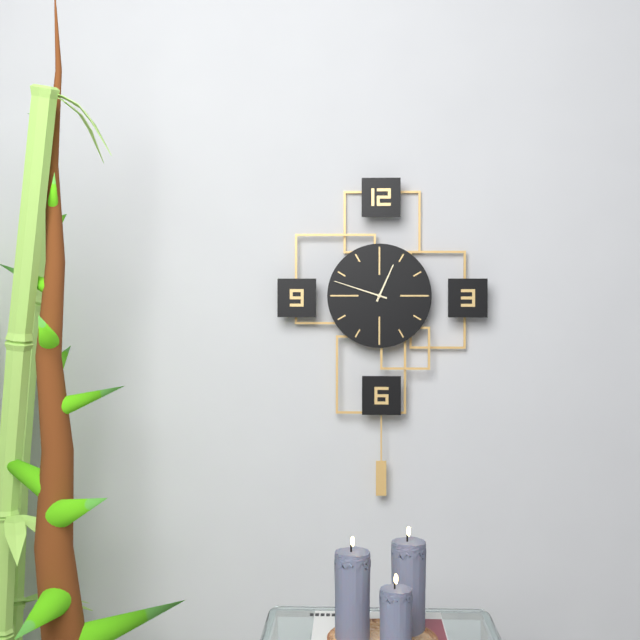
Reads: 12:48
